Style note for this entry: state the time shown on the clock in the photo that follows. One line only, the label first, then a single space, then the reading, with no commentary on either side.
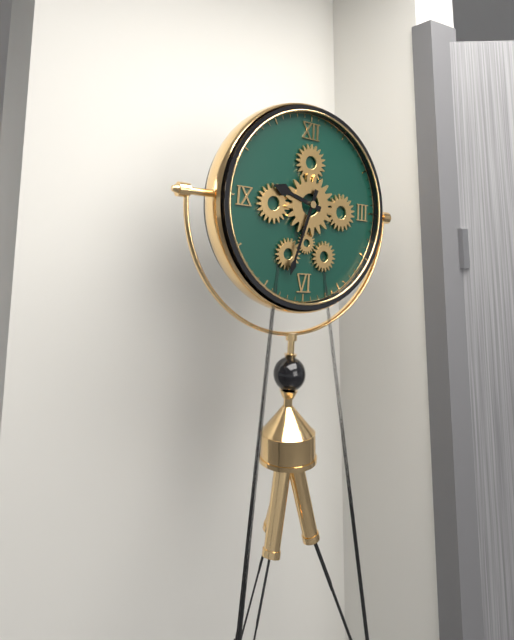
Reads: 9:33
